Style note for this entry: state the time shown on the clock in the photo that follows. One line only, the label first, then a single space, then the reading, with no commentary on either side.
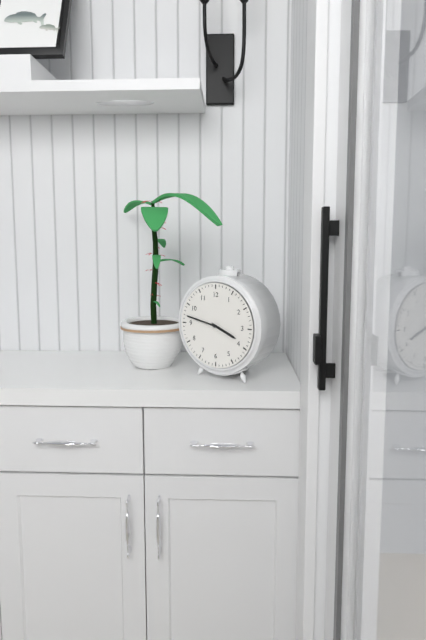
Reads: 3:47
